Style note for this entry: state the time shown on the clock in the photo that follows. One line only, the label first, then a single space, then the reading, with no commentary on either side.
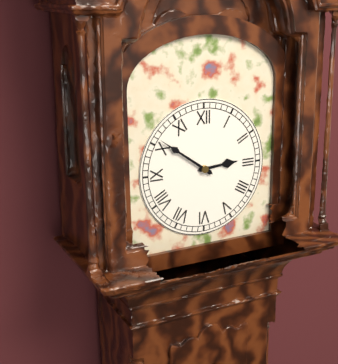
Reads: 2:51
